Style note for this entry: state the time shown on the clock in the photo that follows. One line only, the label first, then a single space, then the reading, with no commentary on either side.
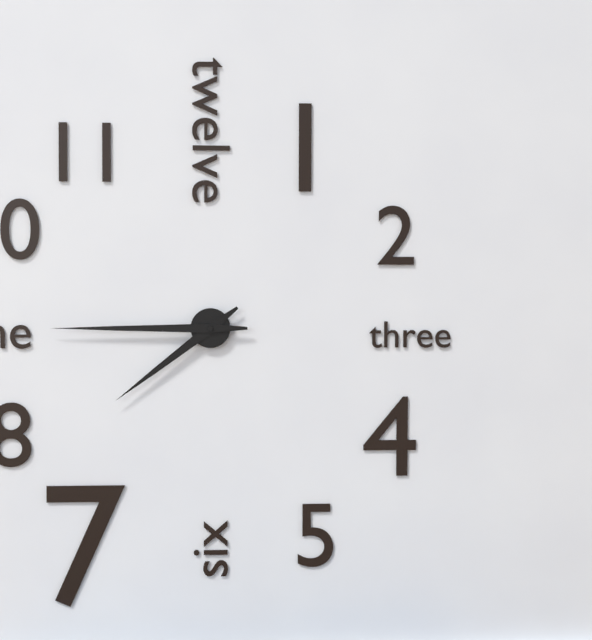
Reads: 7:45
